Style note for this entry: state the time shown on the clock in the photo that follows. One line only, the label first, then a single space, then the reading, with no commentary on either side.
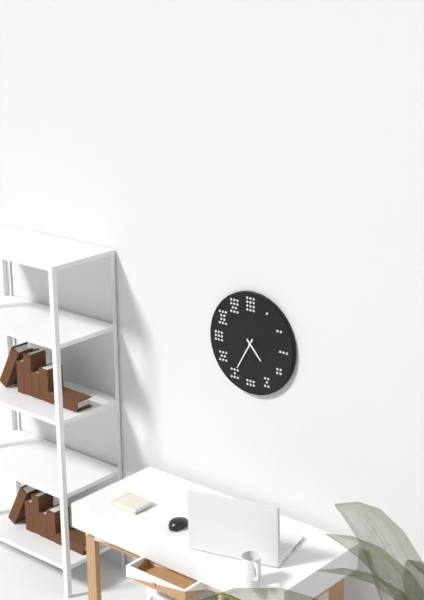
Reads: 4:35
